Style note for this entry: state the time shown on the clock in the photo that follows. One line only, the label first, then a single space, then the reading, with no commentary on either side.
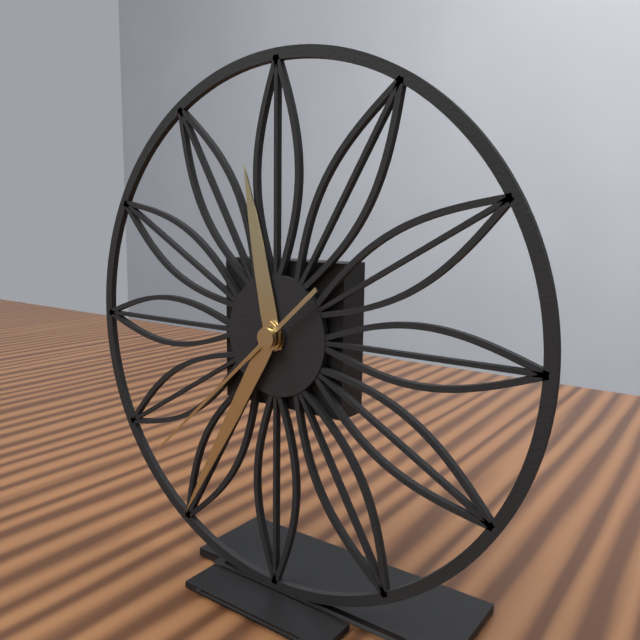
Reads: 11:35:38
